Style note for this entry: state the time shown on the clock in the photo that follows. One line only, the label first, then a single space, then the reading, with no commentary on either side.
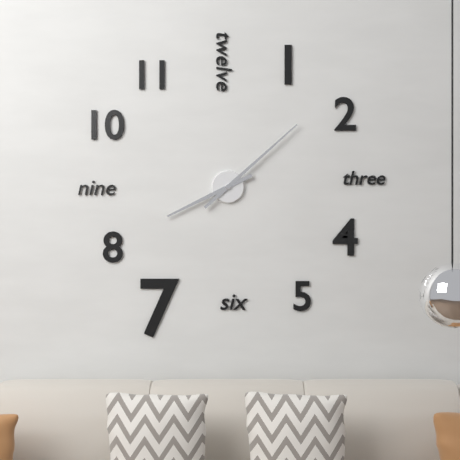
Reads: 8:08
